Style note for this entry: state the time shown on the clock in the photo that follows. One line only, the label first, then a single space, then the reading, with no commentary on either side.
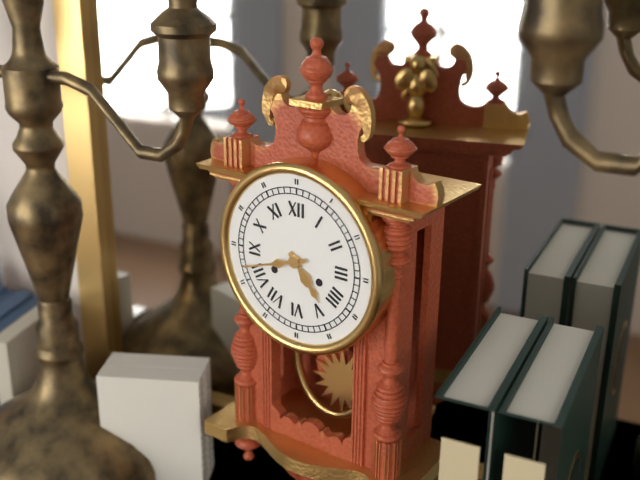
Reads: 4:42
